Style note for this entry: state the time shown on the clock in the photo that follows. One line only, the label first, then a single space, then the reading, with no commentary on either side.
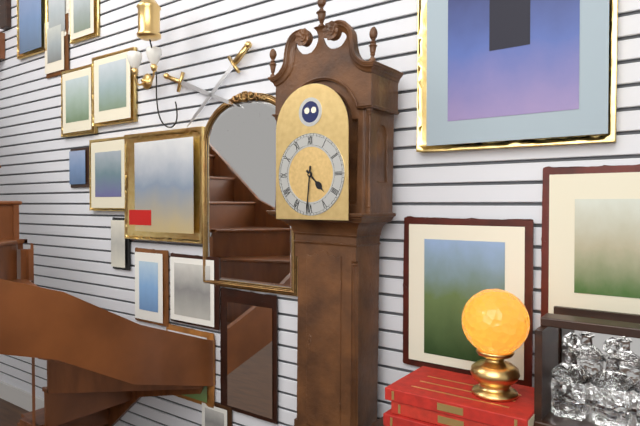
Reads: 4:31
